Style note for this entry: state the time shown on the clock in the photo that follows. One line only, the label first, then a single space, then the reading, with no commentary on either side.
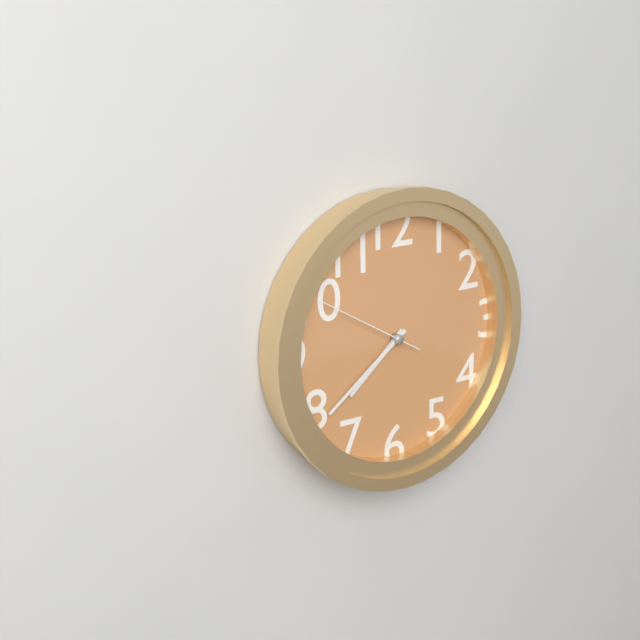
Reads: 7:39:50
